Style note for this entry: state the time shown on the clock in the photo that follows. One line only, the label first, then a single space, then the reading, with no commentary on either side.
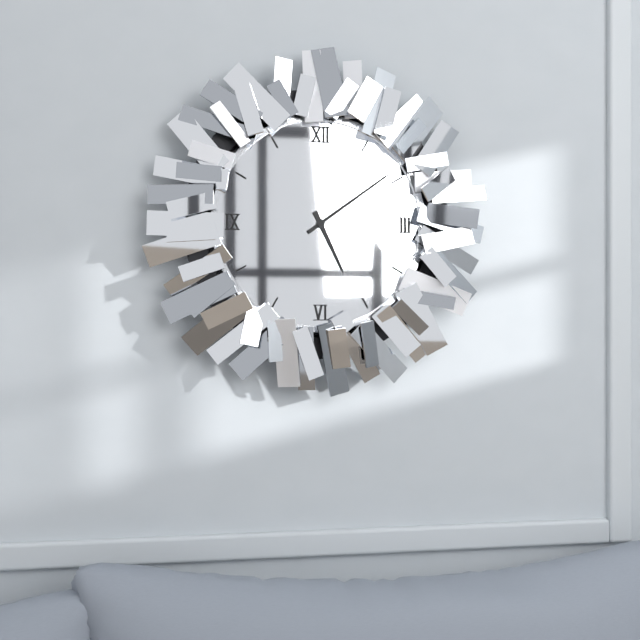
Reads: 5:09
